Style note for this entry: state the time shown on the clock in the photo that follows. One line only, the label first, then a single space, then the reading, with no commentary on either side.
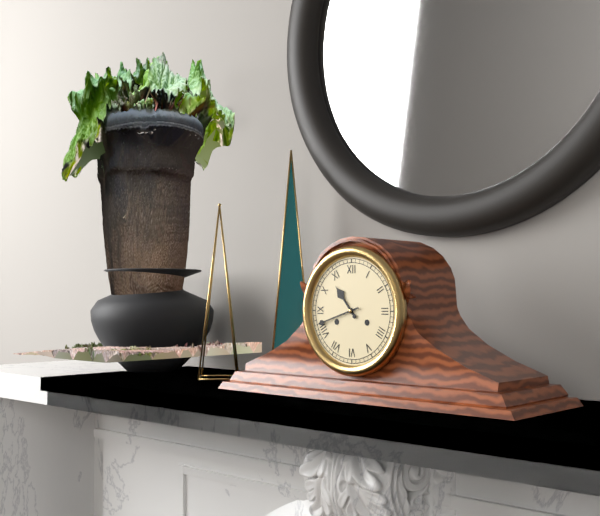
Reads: 10:42
